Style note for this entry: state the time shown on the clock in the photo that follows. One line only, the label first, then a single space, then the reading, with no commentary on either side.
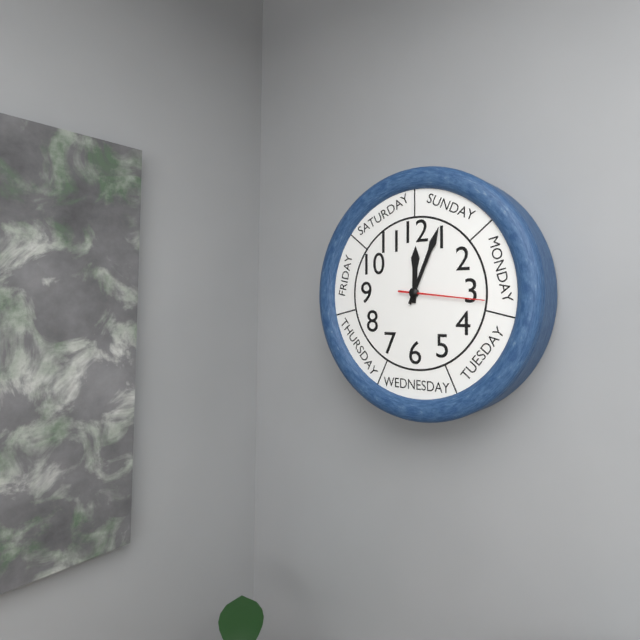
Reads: 12:04:16
